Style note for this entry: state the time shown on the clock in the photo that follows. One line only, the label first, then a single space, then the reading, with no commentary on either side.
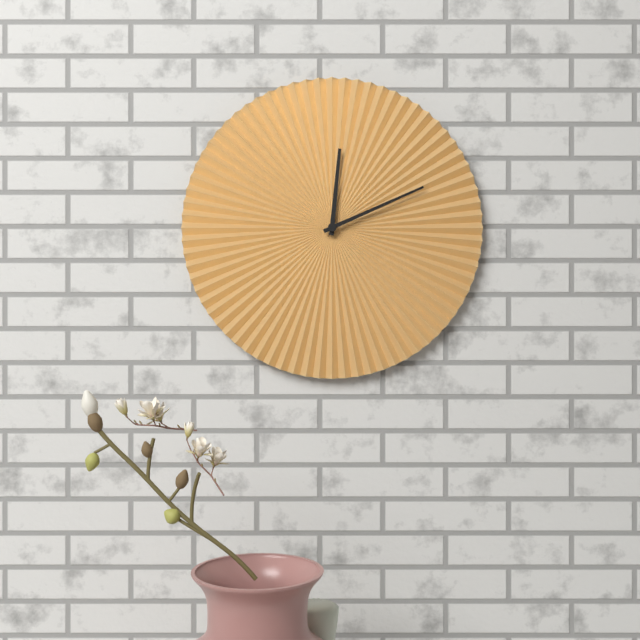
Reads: 12:11
